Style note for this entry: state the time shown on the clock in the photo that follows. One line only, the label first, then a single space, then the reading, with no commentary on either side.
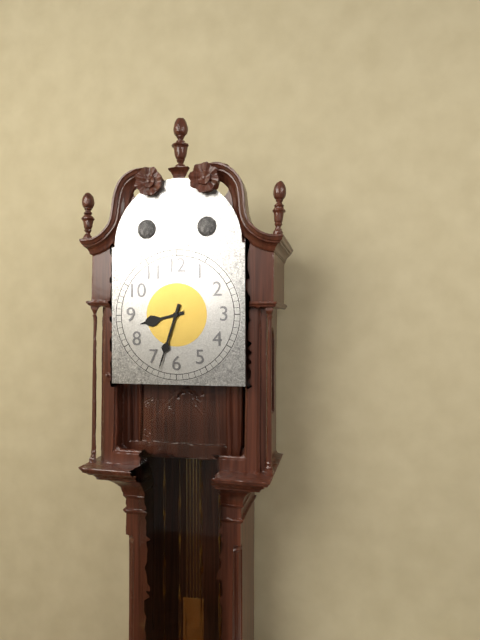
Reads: 8:33
